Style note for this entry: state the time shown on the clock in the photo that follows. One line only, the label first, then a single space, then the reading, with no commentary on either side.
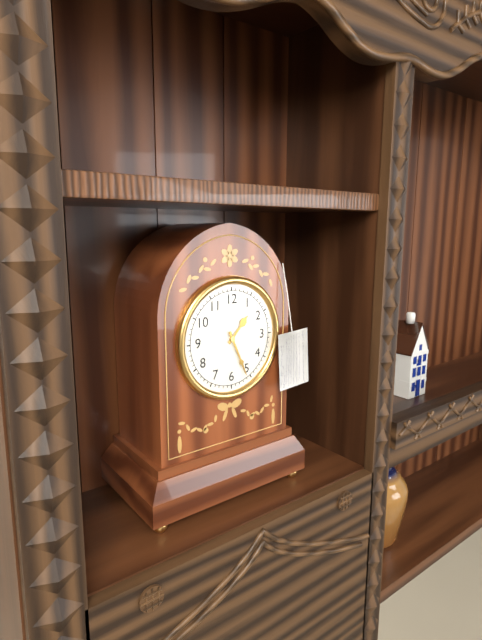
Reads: 1:26
